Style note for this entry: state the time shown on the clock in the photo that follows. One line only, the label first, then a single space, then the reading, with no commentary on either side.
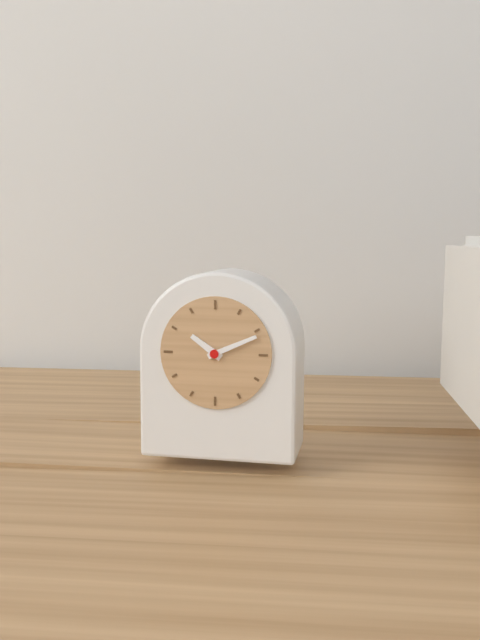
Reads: 10:11
